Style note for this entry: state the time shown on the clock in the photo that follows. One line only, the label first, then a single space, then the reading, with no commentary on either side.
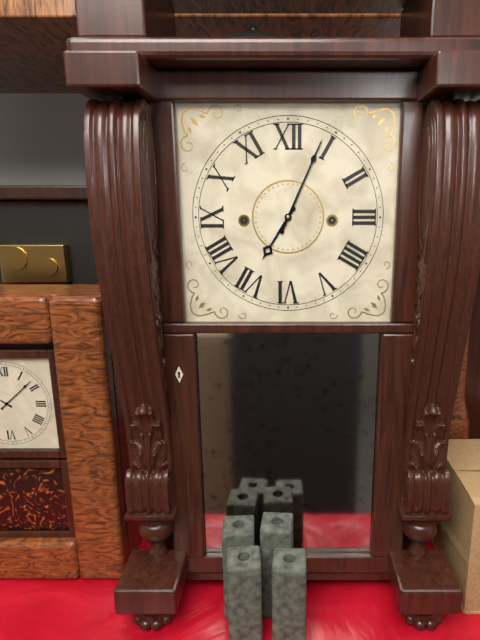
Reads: 7:04
